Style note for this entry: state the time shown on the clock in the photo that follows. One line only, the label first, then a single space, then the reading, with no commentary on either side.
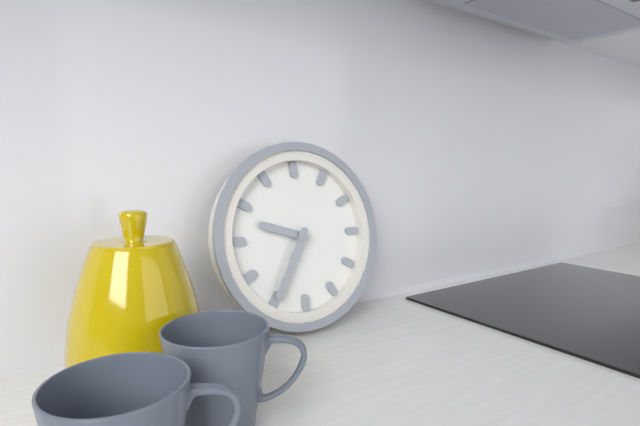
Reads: 9:35
